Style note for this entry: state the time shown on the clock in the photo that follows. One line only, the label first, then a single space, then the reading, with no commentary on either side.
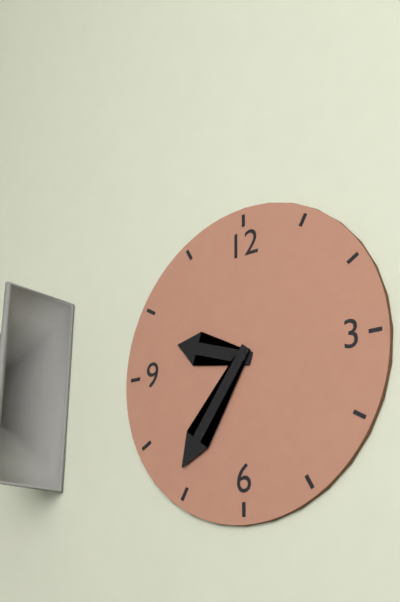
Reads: 9:36
